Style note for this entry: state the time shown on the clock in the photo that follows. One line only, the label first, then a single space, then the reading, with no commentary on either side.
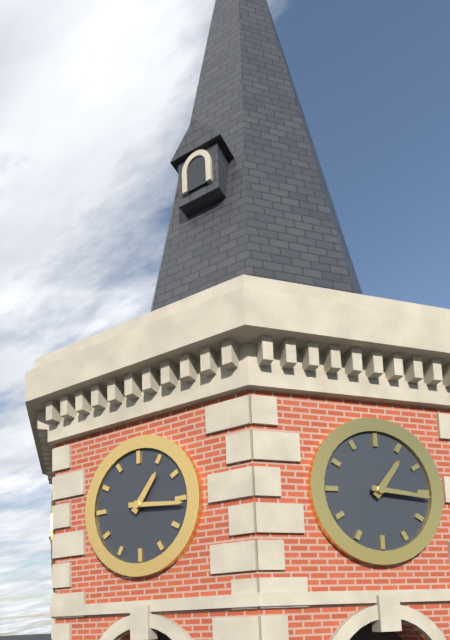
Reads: 1:16
